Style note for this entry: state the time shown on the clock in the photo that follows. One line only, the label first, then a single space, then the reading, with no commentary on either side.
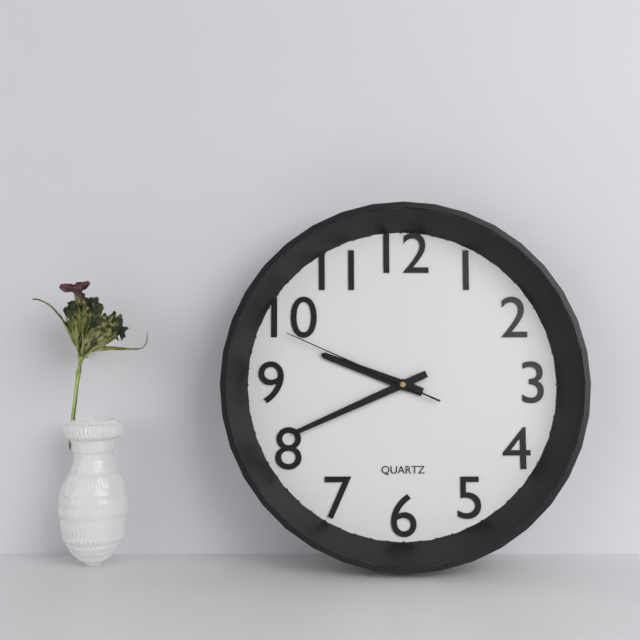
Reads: 9:41:49
